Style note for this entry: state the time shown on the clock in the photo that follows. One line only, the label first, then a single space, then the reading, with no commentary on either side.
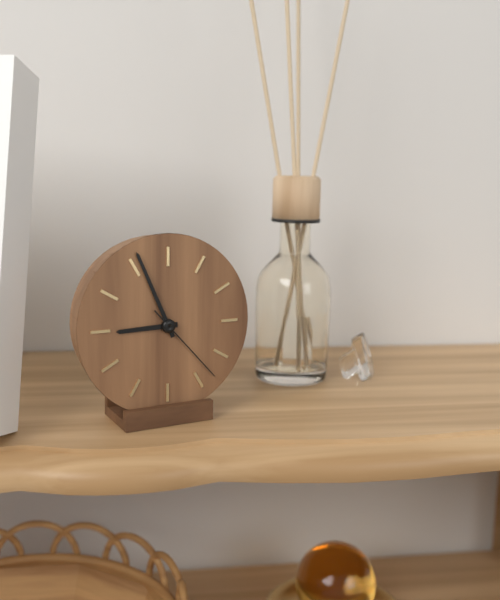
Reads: 8:56:23
